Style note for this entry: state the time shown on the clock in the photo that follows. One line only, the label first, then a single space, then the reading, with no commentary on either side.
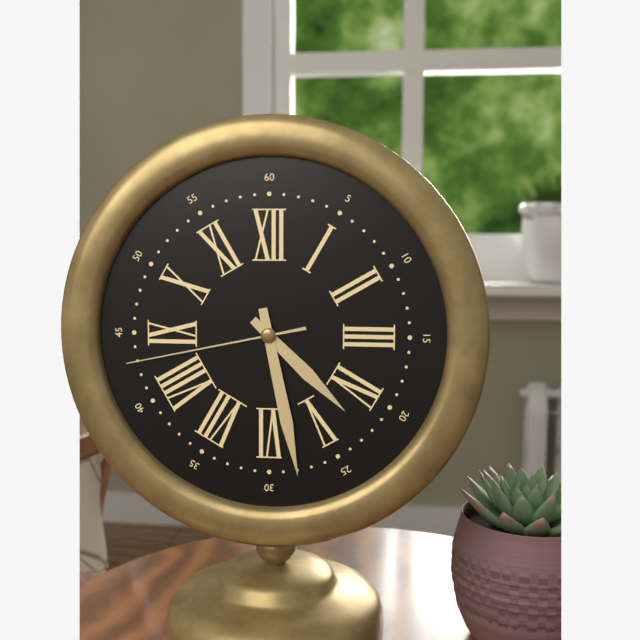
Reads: 4:28:43
